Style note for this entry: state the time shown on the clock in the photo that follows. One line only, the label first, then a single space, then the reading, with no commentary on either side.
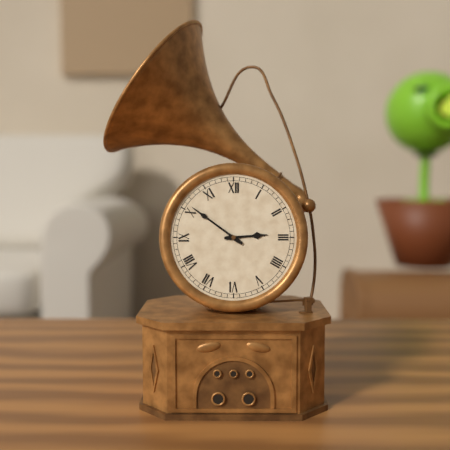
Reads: 2:51
